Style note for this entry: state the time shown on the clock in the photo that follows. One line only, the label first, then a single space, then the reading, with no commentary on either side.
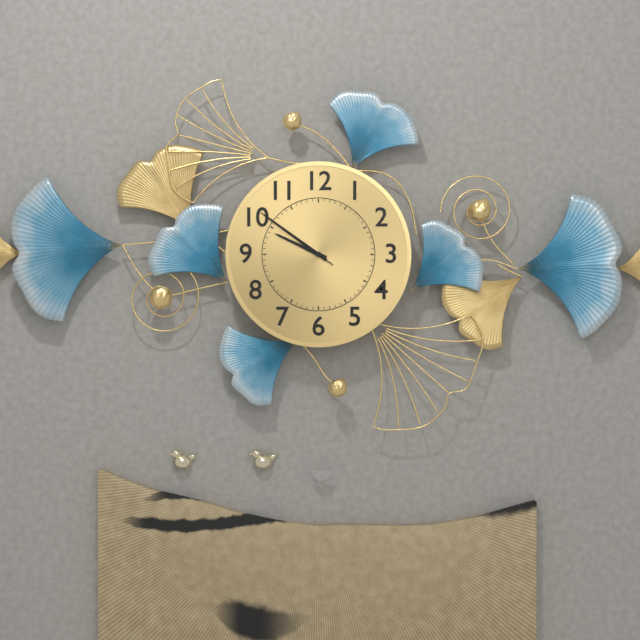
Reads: 9:51:51
